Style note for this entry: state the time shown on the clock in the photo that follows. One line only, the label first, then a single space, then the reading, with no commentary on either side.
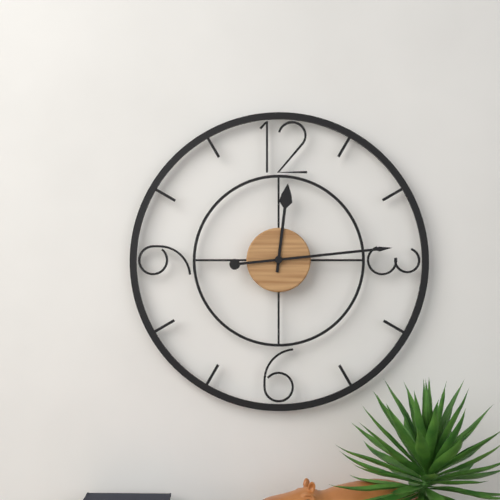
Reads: 12:14
